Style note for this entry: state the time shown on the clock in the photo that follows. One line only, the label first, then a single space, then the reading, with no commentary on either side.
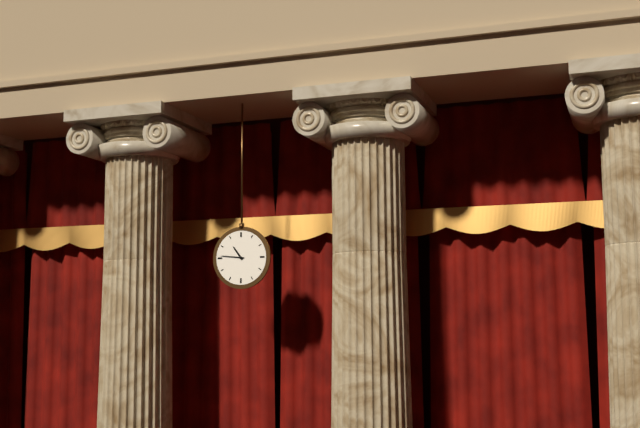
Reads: 10:46
